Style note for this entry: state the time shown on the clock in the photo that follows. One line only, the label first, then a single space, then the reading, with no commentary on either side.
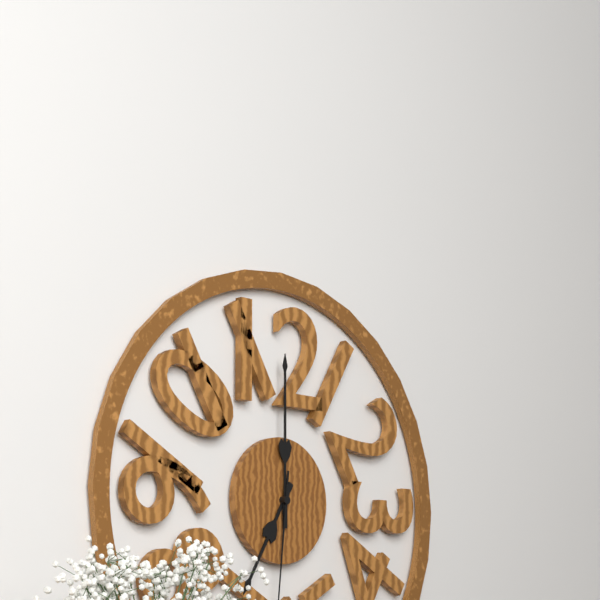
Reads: 7:00
